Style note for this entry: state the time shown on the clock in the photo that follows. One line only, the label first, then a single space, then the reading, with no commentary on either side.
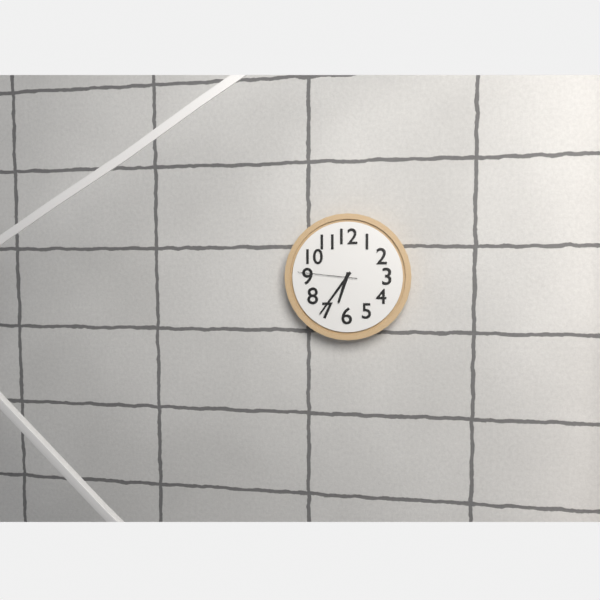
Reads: 6:36:46
